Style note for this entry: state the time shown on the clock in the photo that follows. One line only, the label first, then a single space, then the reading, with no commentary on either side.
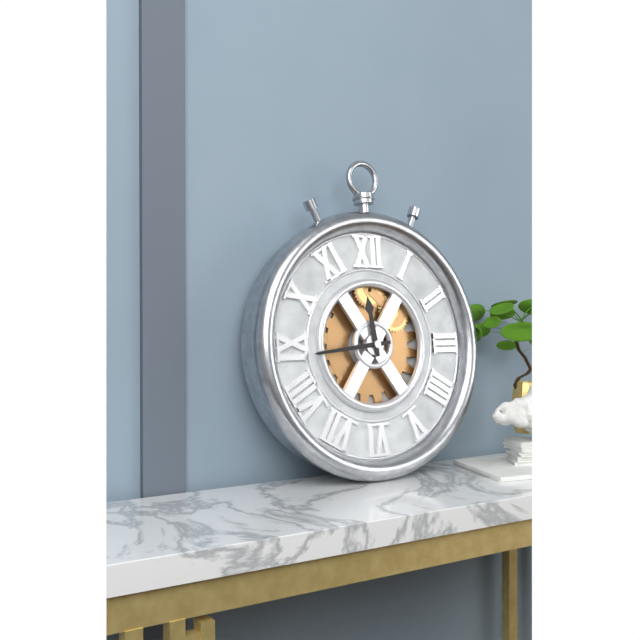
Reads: 11:44
